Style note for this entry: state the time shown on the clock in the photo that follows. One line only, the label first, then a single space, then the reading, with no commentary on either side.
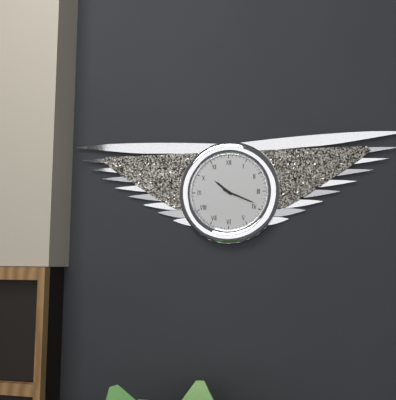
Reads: 10:19
